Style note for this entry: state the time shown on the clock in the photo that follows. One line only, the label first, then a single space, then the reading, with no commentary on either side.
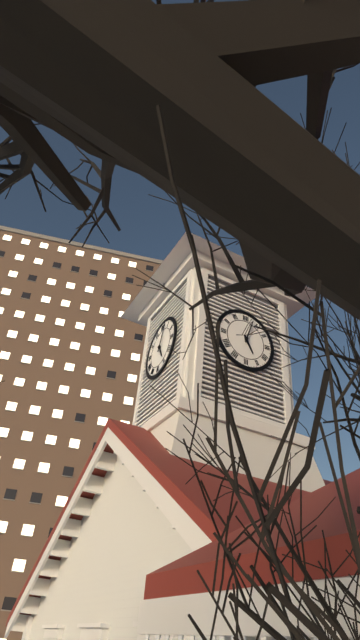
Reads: 5:03
